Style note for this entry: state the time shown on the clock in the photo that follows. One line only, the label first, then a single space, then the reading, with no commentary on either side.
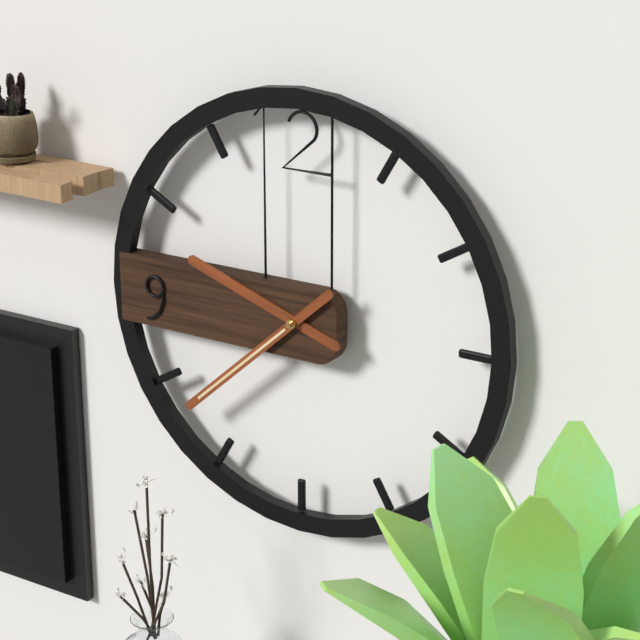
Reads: 9:38
